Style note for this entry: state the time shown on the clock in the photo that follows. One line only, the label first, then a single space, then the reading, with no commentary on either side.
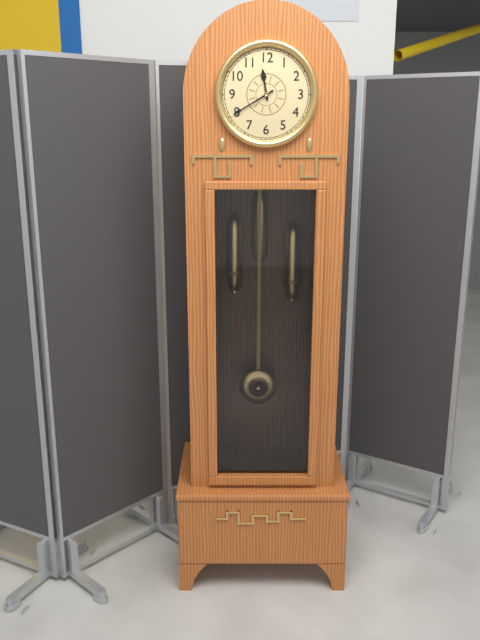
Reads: 11:40
